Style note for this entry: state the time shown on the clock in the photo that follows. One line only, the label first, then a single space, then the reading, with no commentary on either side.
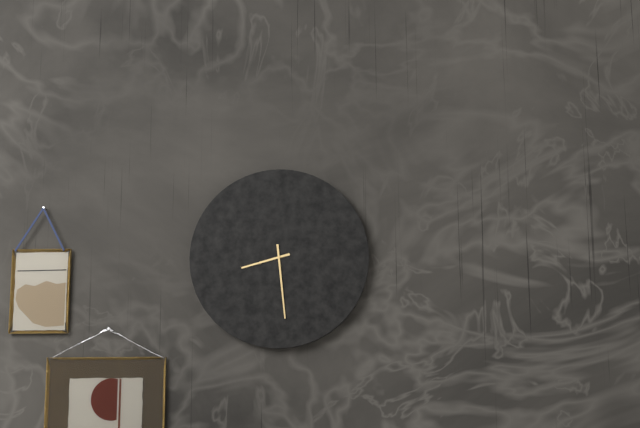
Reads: 8:29
